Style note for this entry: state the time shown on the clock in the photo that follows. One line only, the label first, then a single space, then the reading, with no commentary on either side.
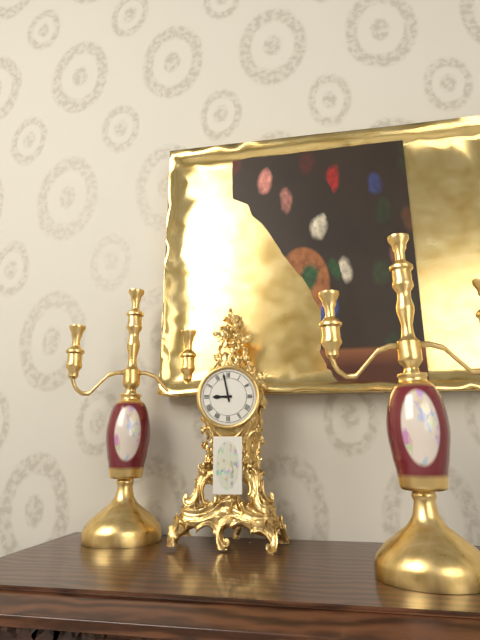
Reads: 8:58
